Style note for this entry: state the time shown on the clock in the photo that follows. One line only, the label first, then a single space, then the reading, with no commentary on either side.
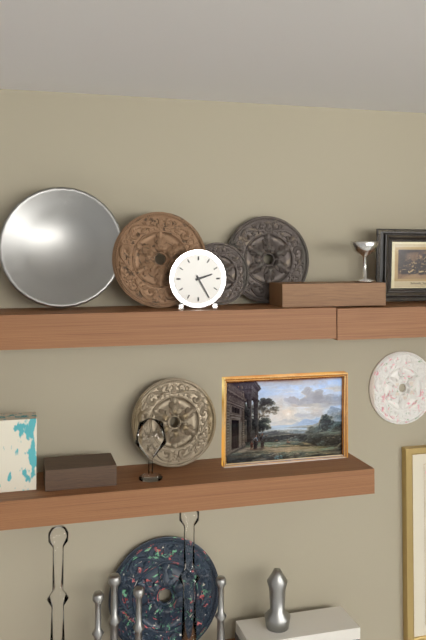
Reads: 2:25
